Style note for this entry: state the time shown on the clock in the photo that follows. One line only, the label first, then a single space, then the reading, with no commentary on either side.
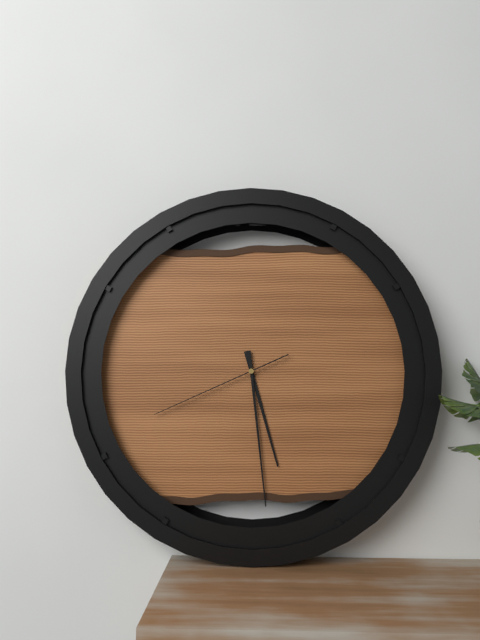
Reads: 5:29:41
